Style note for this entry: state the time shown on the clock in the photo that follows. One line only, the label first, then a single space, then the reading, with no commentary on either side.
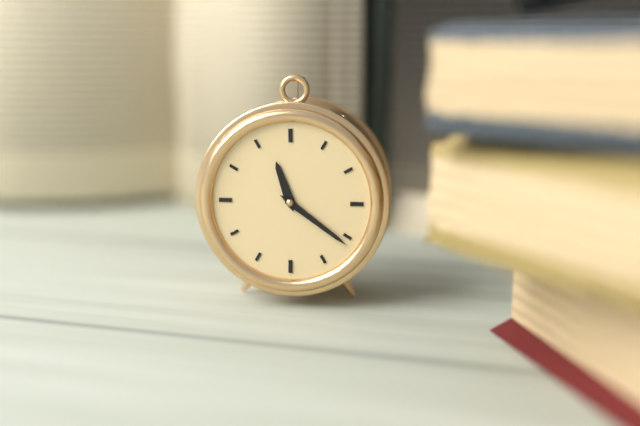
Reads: 11:21
